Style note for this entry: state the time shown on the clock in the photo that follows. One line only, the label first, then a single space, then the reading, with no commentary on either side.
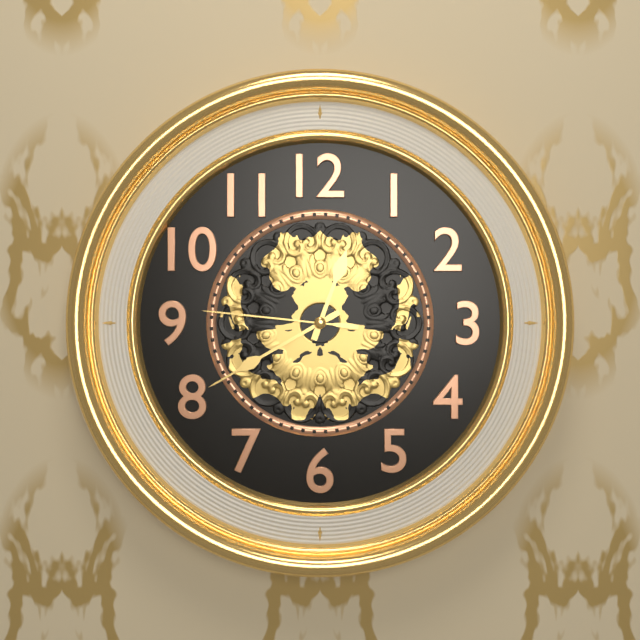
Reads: 12:40:46
